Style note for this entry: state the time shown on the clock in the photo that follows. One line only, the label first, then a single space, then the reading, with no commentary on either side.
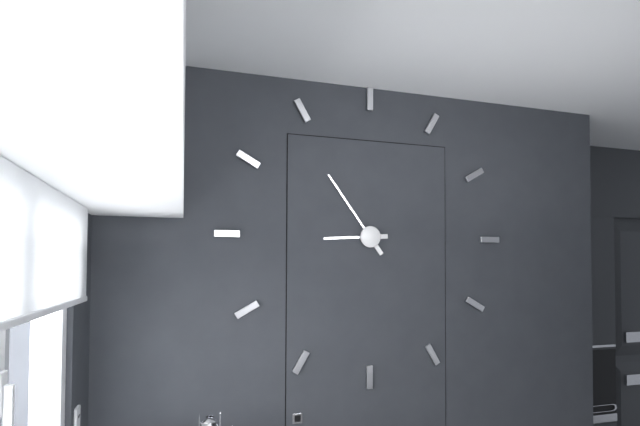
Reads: 8:54
